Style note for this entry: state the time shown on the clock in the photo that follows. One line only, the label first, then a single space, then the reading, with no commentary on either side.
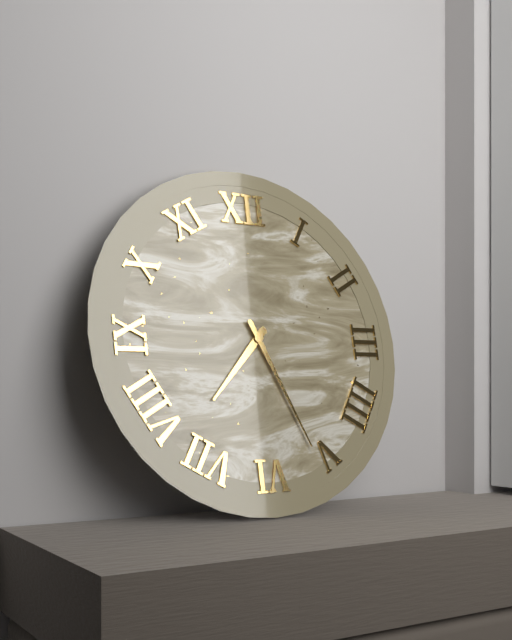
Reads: 7:26
